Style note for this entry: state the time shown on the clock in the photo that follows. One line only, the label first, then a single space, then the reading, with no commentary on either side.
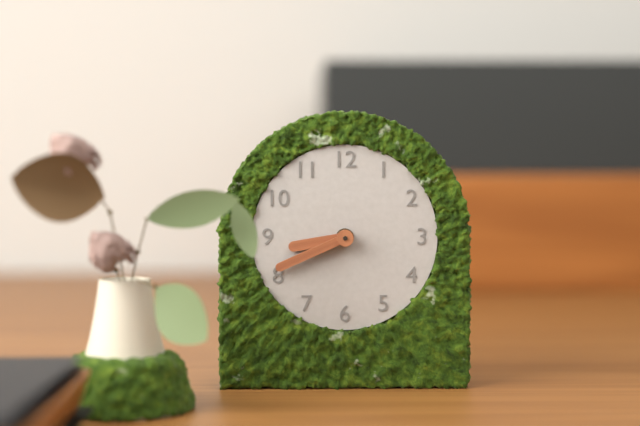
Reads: 8:41
